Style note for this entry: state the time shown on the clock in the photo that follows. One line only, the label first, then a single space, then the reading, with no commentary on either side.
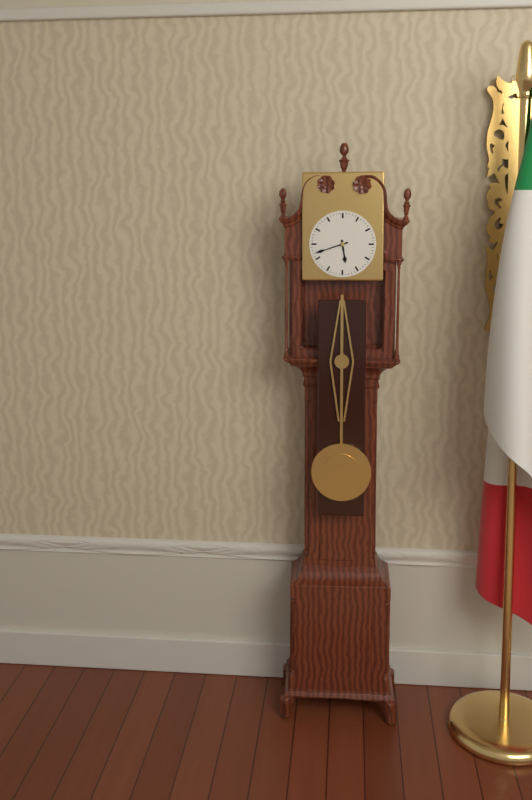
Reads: 5:42
